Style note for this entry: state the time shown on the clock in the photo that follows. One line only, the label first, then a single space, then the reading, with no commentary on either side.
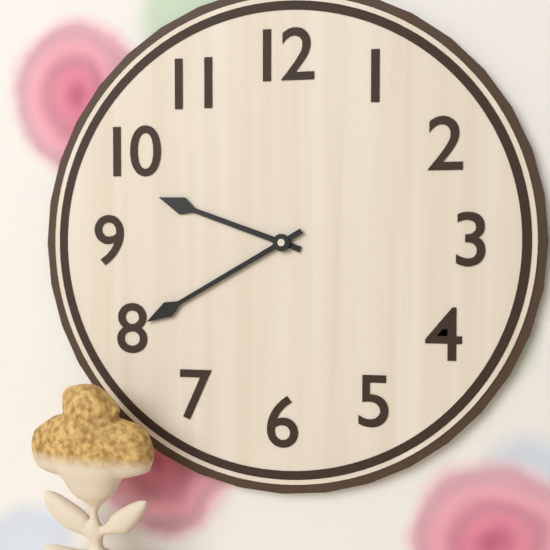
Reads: 9:40
